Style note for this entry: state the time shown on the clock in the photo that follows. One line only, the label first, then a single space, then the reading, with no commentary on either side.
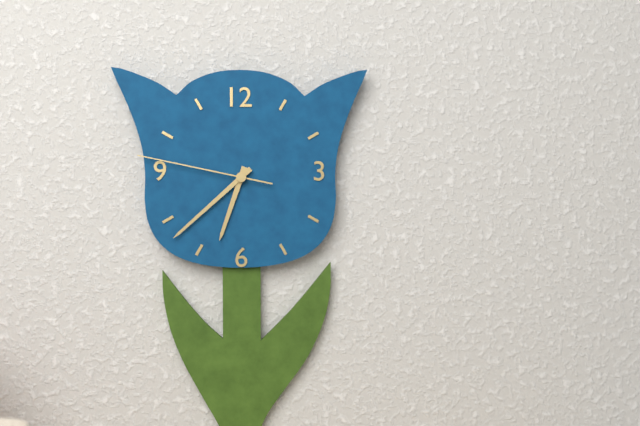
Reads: 6:38:47
